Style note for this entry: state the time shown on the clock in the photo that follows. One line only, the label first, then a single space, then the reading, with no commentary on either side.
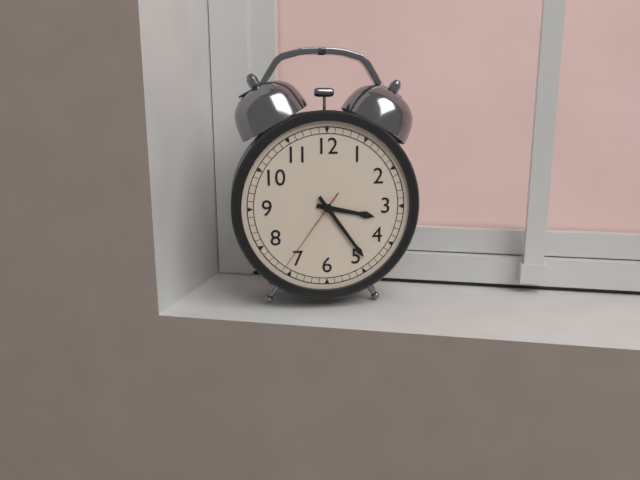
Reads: 3:24:36
